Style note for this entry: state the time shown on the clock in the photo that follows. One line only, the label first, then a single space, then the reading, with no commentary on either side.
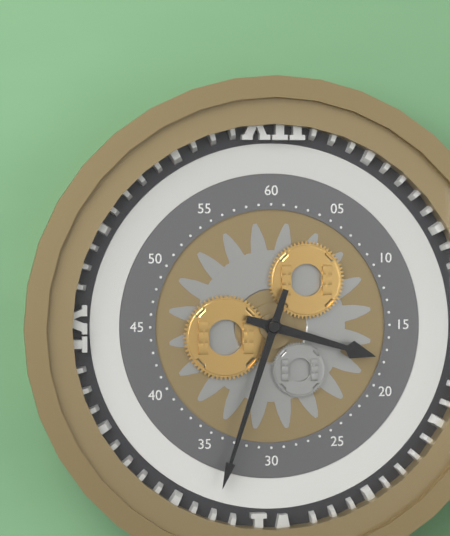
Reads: 3:33
